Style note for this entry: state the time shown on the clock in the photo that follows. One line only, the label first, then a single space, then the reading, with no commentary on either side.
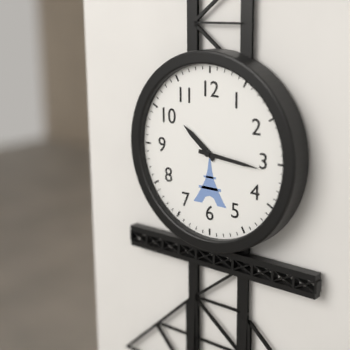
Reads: 10:16
